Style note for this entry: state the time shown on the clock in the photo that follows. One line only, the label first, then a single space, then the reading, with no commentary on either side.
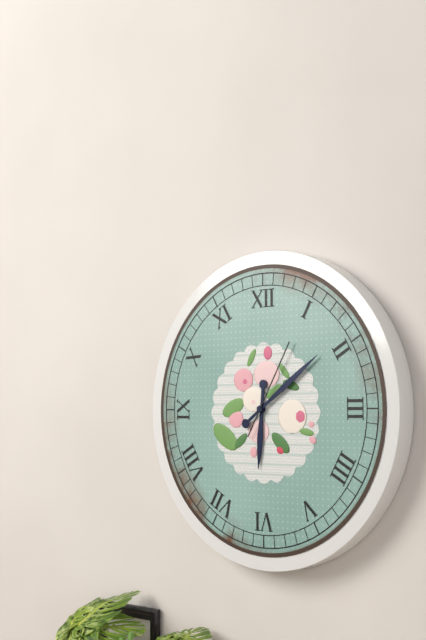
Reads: 6:09:05
